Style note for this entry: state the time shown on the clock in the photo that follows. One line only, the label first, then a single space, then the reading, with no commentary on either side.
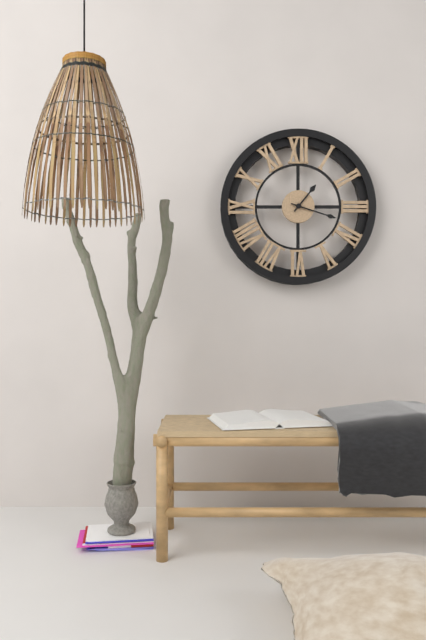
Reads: 1:18
